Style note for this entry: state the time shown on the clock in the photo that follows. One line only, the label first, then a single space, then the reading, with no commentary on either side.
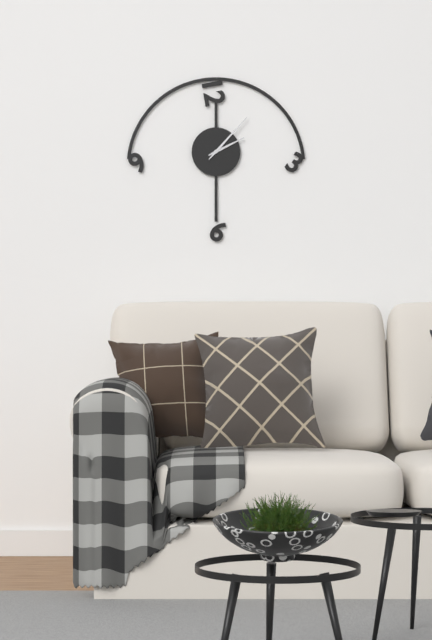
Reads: 2:07
